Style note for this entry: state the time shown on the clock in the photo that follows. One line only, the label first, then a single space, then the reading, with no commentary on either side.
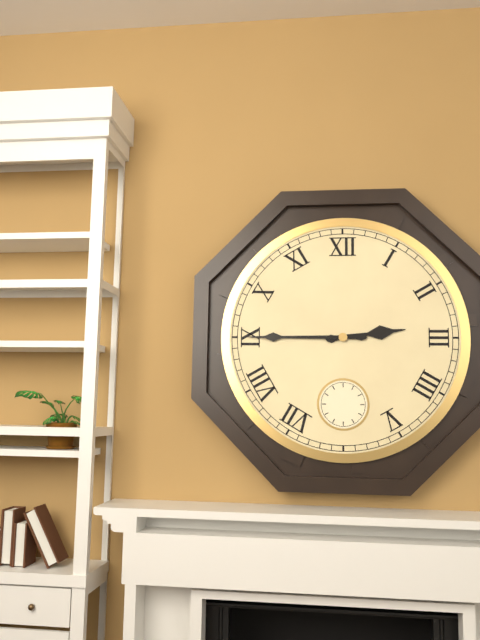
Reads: 2:45
